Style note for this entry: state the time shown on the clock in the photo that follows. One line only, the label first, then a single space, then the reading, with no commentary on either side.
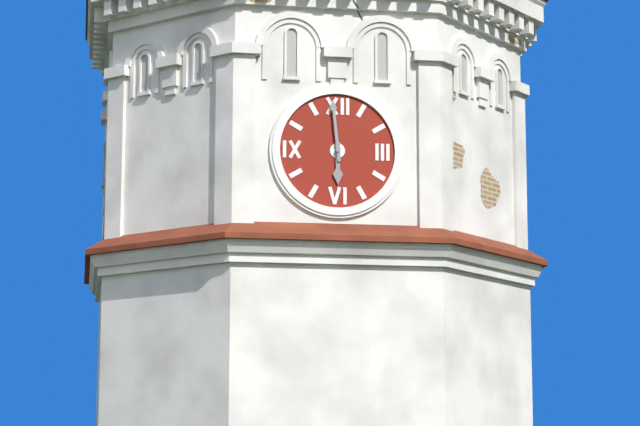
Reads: 5:59
